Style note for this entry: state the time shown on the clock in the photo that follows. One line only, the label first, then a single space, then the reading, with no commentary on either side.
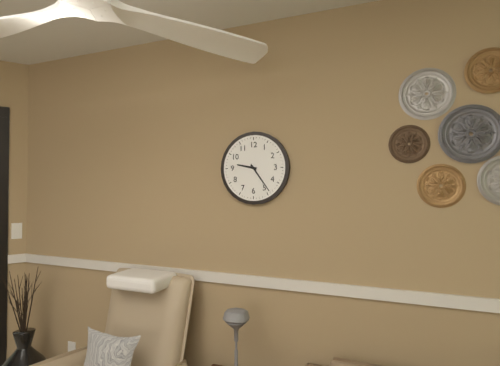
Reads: 9:24
